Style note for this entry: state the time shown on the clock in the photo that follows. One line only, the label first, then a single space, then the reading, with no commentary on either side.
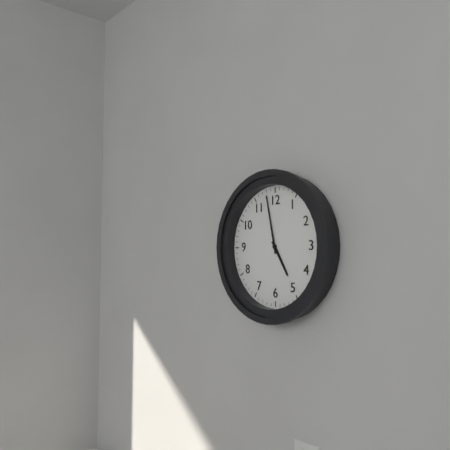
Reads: 4:58
